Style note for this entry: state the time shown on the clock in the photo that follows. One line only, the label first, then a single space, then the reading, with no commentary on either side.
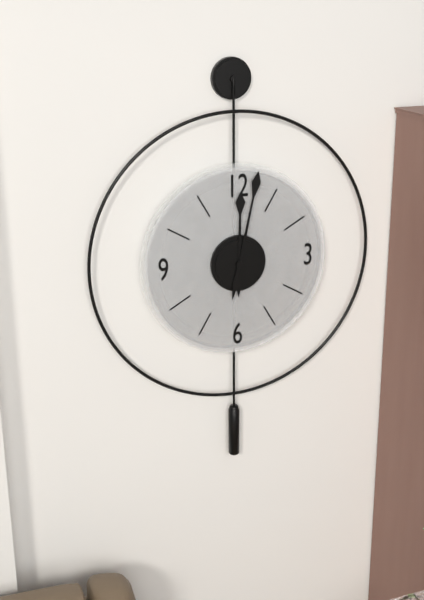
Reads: 12:02
